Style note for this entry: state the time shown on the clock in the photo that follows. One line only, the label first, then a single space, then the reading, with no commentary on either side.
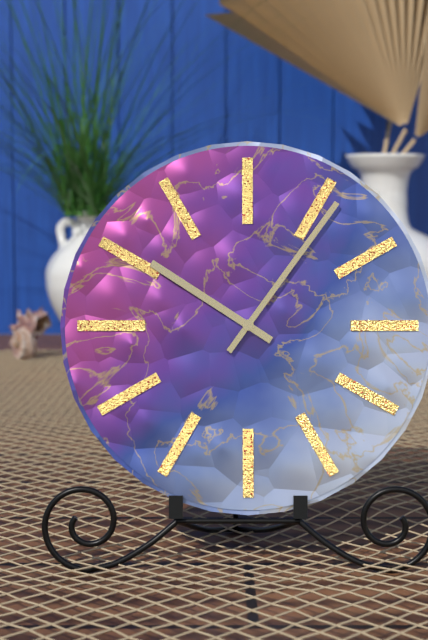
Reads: 10:06
